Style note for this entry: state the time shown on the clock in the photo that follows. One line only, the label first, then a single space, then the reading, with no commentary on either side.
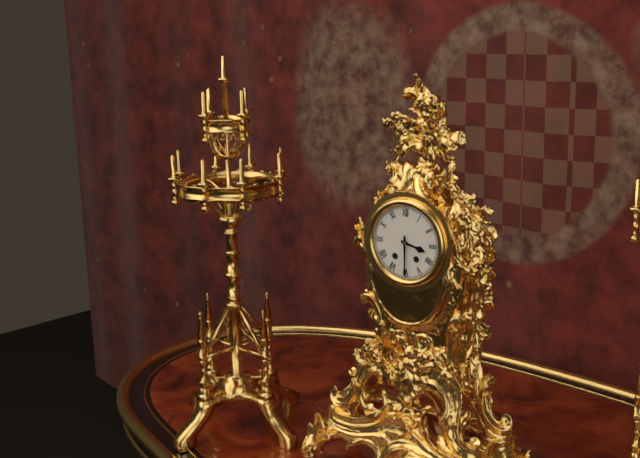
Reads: 3:30
